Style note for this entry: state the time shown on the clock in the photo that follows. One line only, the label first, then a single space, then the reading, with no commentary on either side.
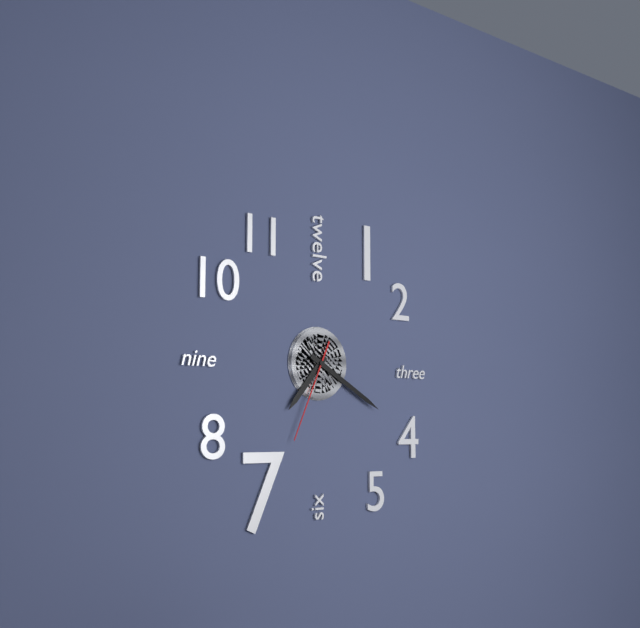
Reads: 7:20:34
